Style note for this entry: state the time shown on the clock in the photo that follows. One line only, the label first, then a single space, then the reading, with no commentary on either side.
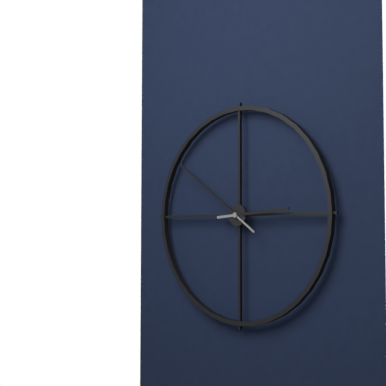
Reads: 2:51
